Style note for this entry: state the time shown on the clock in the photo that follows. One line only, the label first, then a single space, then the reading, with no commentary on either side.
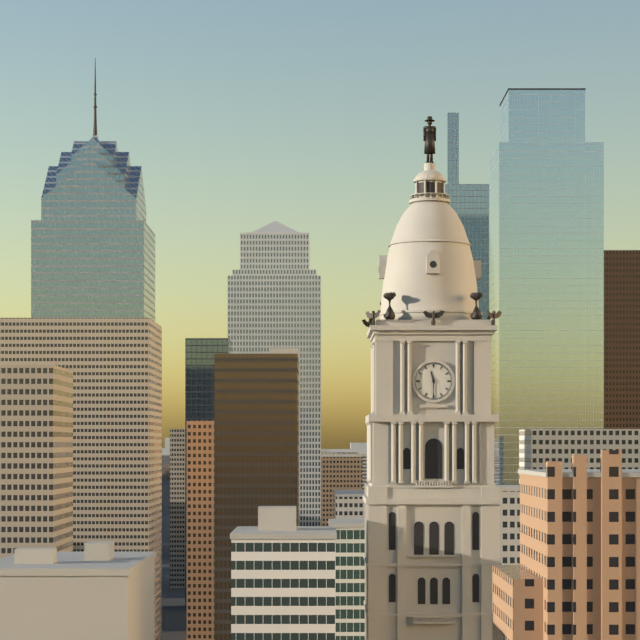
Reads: 11:30
